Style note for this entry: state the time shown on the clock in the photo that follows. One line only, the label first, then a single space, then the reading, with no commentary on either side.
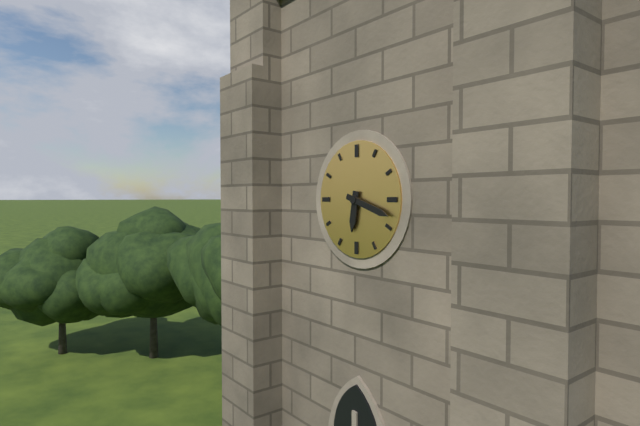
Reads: 6:18
